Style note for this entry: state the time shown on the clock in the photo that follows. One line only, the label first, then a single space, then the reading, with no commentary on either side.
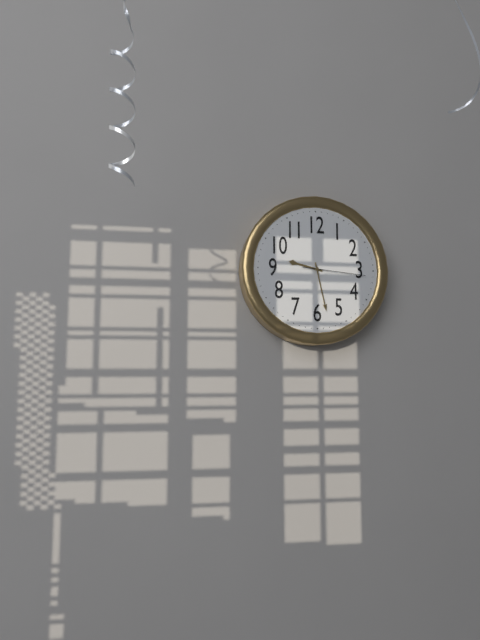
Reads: 9:28:16
